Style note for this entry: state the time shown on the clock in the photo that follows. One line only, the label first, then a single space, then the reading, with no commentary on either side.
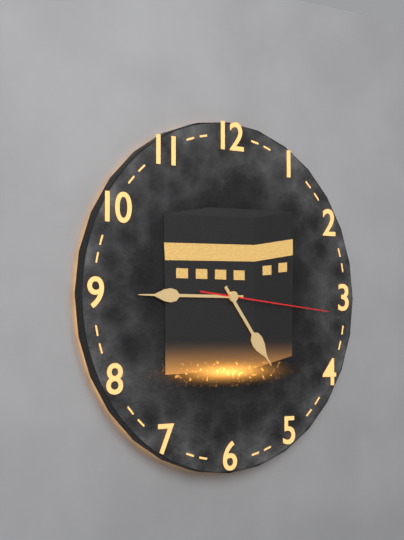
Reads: 4:45:16
